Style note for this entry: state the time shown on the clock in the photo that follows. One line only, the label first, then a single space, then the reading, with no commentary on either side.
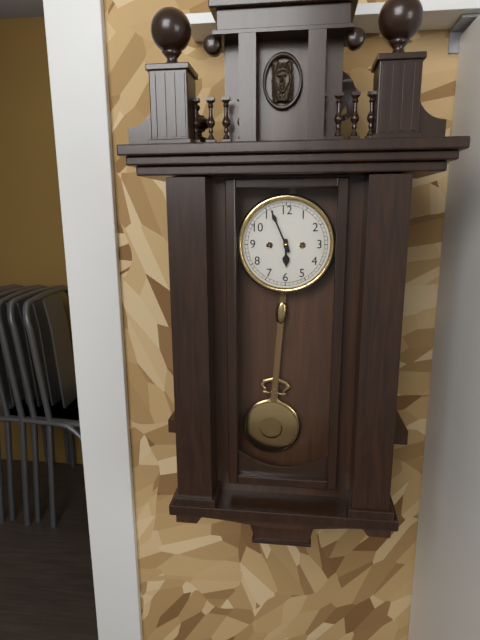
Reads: 5:56
